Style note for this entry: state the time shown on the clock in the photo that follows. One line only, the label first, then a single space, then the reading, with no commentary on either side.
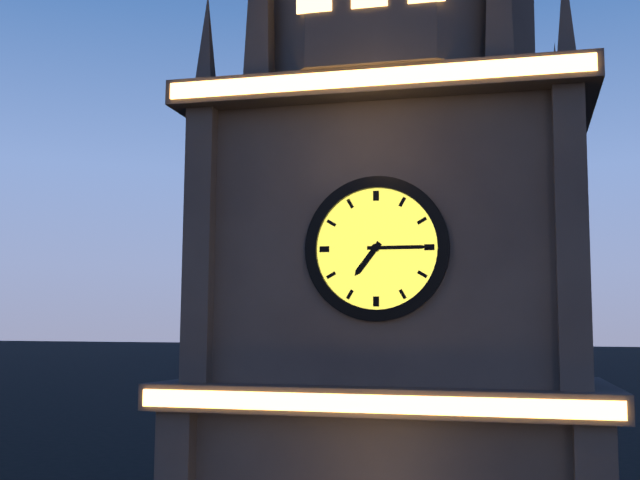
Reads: 7:15
